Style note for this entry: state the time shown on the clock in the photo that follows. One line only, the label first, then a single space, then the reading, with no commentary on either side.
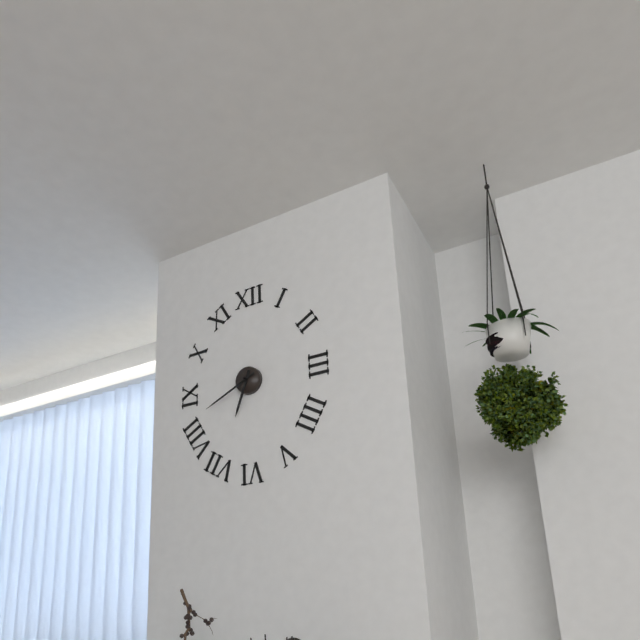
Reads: 6:41
